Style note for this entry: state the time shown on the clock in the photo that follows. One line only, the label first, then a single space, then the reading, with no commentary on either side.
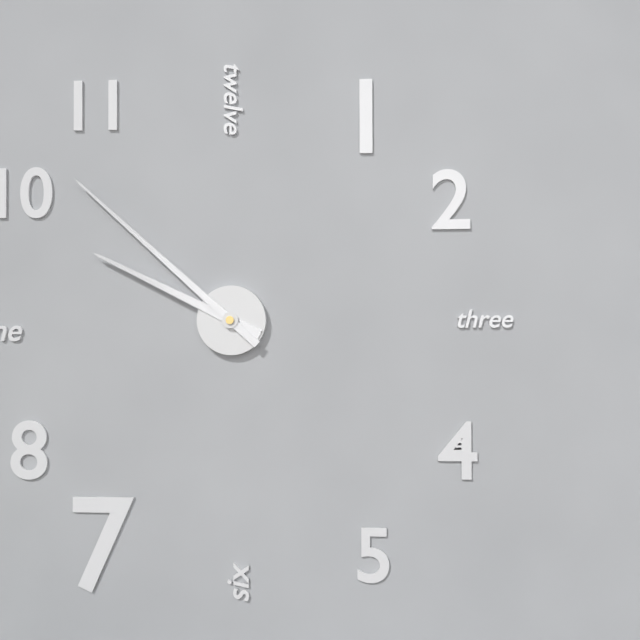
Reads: 9:52
